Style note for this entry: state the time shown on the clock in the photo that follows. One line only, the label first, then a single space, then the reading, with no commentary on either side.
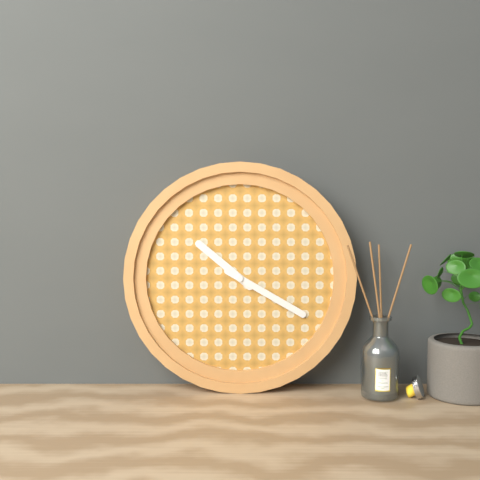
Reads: 10:20
